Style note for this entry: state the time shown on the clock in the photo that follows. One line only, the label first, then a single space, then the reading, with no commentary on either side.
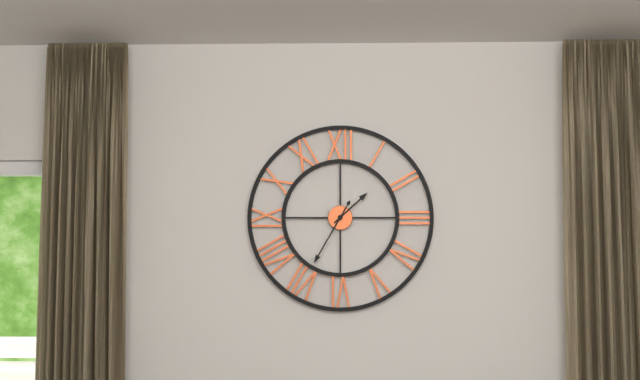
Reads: 1:35
